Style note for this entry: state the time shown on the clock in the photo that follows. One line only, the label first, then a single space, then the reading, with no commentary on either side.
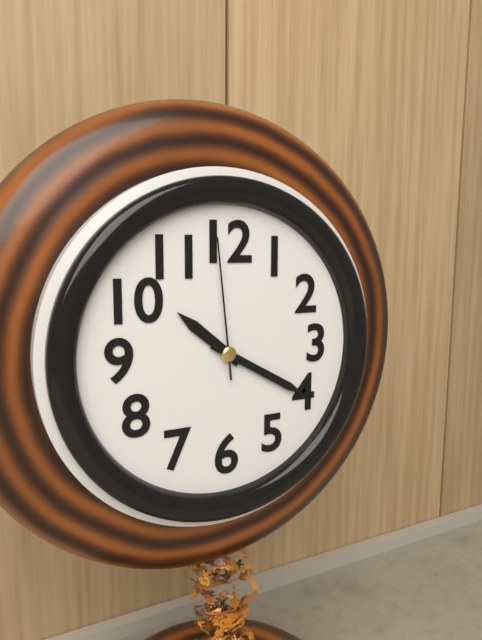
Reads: 10:20:59
